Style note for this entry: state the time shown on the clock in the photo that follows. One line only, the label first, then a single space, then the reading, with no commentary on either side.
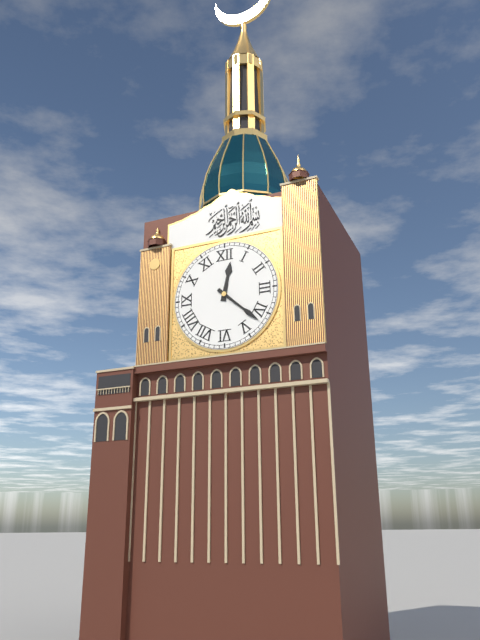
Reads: 12:22
